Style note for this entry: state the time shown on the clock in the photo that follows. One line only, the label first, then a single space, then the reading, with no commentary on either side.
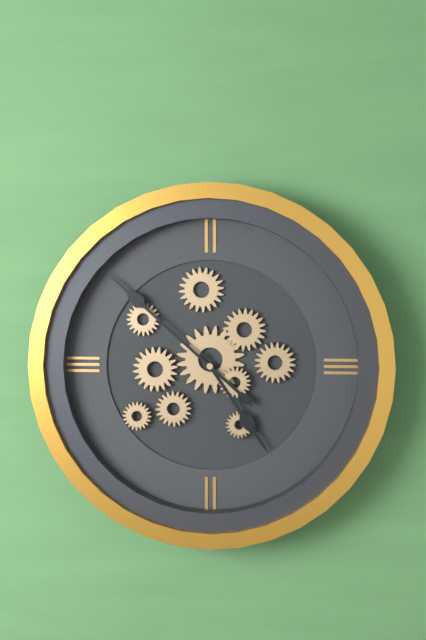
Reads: 4:52
